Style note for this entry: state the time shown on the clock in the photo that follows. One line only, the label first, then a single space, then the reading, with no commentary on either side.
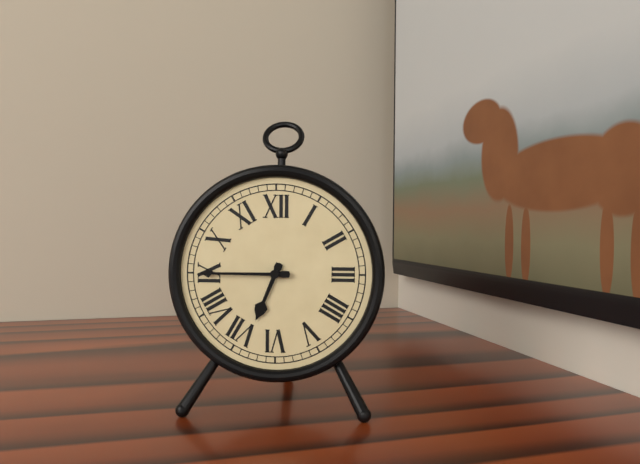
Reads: 6:45
